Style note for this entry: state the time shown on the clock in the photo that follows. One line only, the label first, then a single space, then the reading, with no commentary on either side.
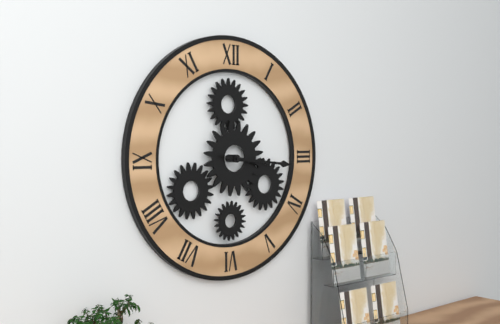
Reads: 3:16
